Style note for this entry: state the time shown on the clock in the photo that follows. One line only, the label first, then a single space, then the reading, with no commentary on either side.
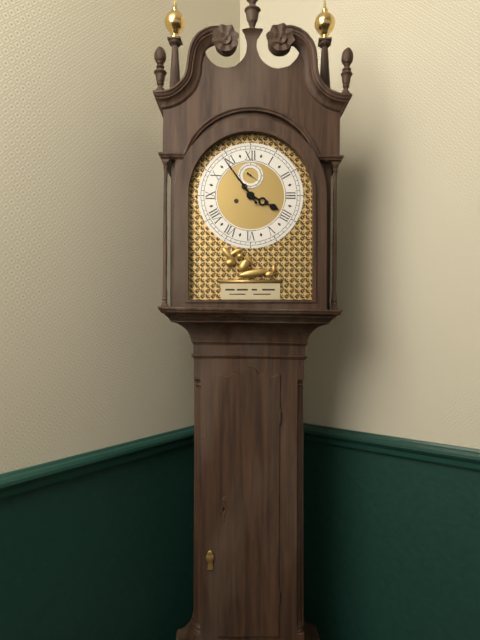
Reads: 3:54
